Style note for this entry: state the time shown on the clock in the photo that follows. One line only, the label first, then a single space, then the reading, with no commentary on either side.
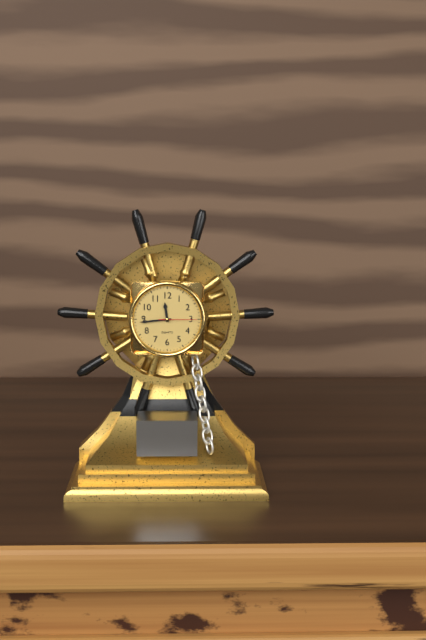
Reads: 11:44
